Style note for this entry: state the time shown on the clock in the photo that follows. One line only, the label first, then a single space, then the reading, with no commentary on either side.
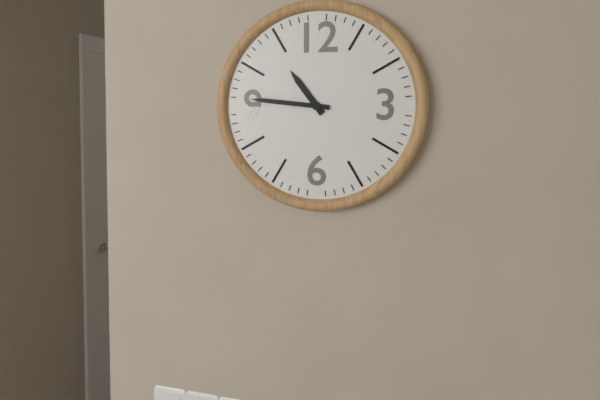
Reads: 10:46
